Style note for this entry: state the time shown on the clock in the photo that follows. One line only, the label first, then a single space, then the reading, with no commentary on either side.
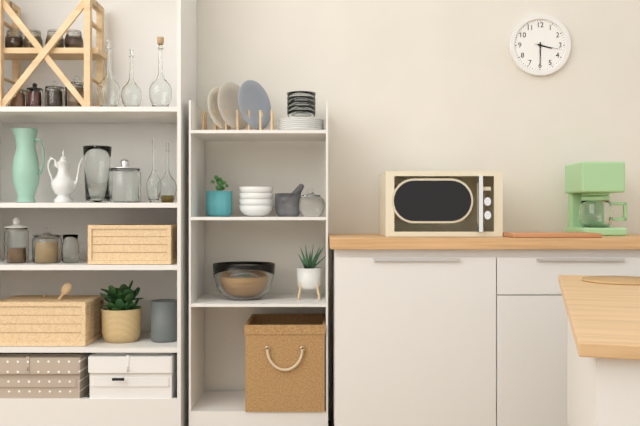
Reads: 3:30
